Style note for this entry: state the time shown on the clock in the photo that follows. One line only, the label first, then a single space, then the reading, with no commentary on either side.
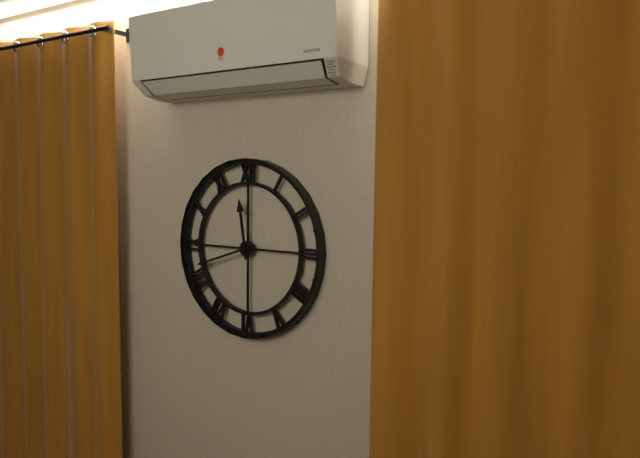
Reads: 11:42
